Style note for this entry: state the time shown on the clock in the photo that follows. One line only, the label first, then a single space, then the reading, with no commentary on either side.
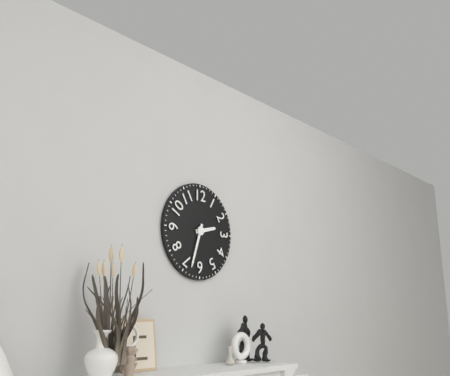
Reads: 2:33
